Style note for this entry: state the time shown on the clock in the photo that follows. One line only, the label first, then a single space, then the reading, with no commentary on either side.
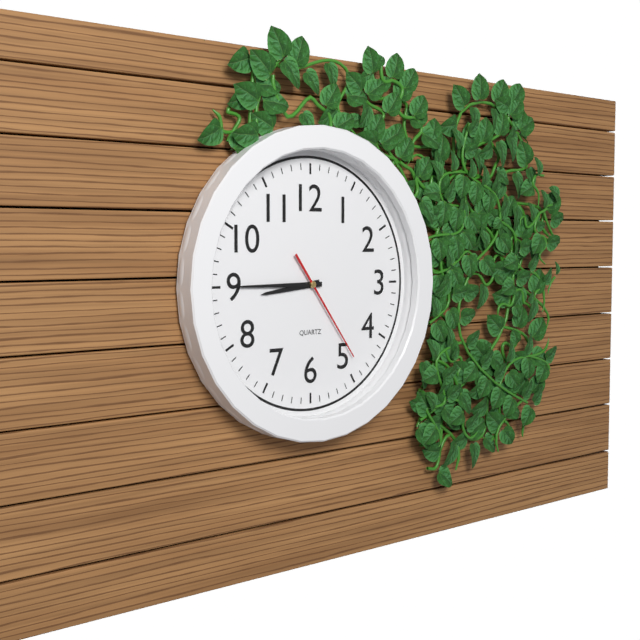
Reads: 8:45:24
